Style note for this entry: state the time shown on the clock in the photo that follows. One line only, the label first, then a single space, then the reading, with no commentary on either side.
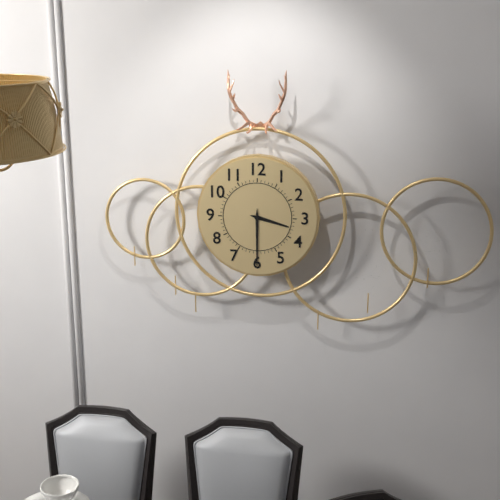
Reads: 3:30
